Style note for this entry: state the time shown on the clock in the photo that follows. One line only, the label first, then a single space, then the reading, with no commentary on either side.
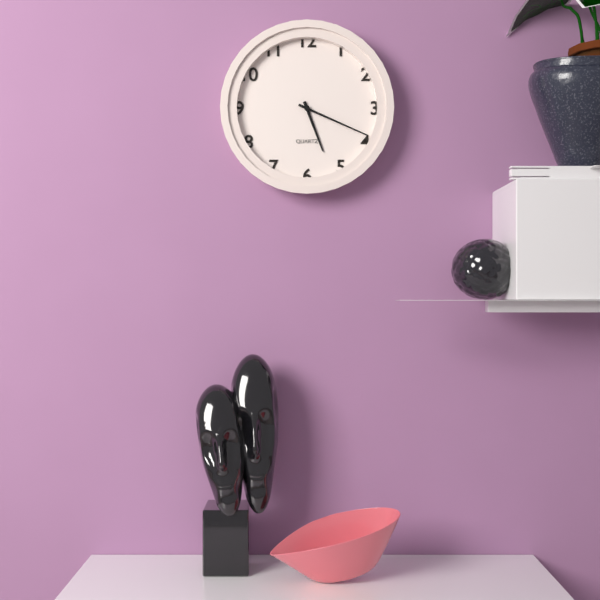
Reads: 5:19
